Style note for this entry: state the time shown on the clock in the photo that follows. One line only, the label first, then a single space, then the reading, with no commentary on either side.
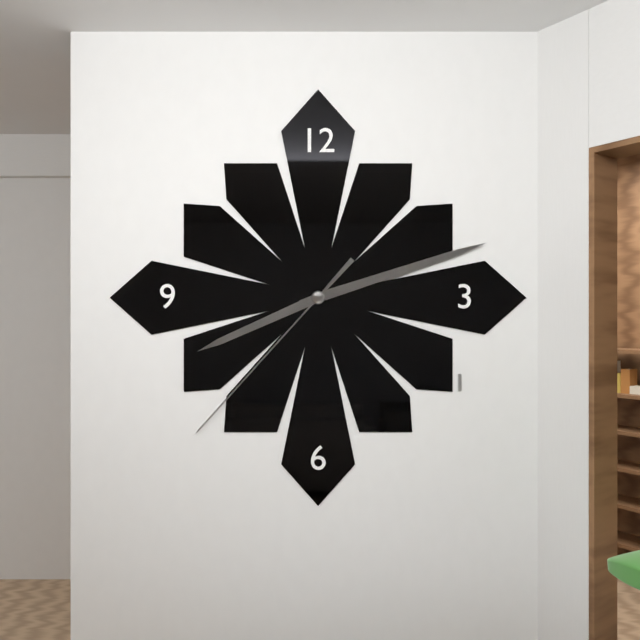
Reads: 8:12:37
